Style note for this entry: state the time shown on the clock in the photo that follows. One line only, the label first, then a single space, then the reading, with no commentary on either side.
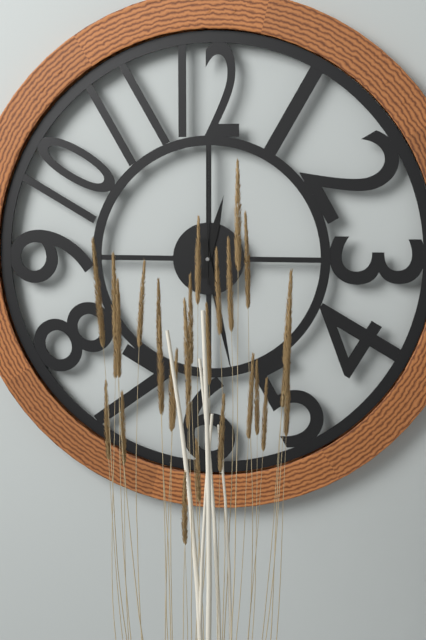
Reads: 12:28:00
